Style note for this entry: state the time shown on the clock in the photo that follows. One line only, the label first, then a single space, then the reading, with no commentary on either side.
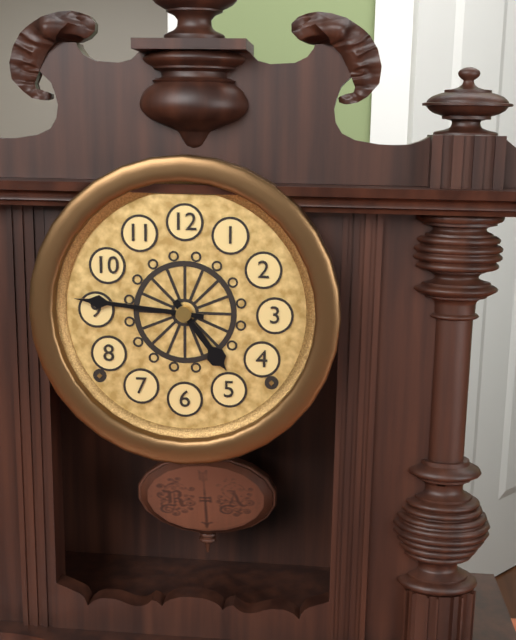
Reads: 4:46
